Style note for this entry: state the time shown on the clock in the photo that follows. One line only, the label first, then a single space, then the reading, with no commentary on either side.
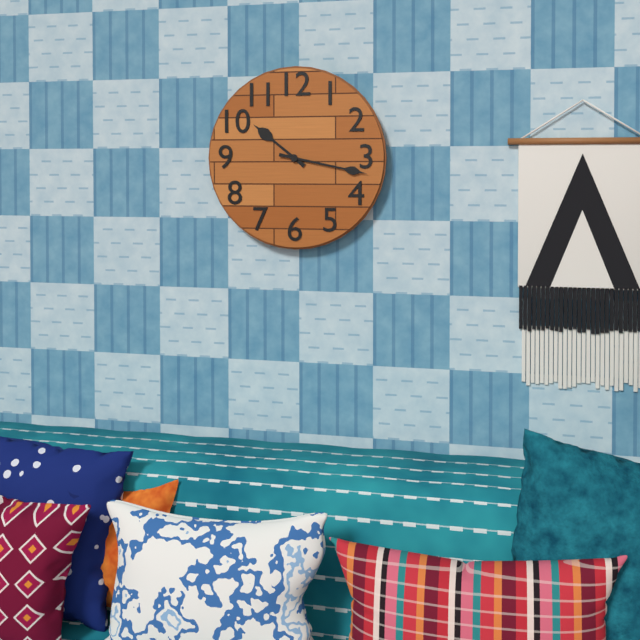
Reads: 10:17
